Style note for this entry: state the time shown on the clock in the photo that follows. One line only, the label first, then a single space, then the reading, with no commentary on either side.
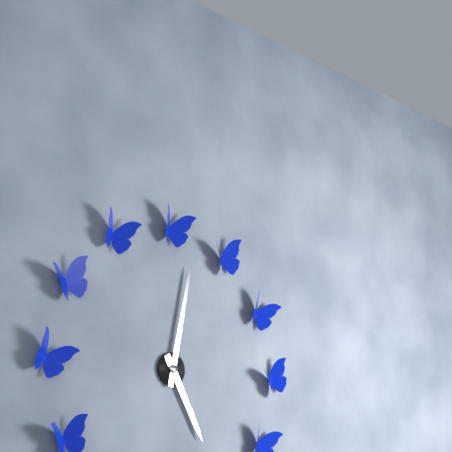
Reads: 5:02
